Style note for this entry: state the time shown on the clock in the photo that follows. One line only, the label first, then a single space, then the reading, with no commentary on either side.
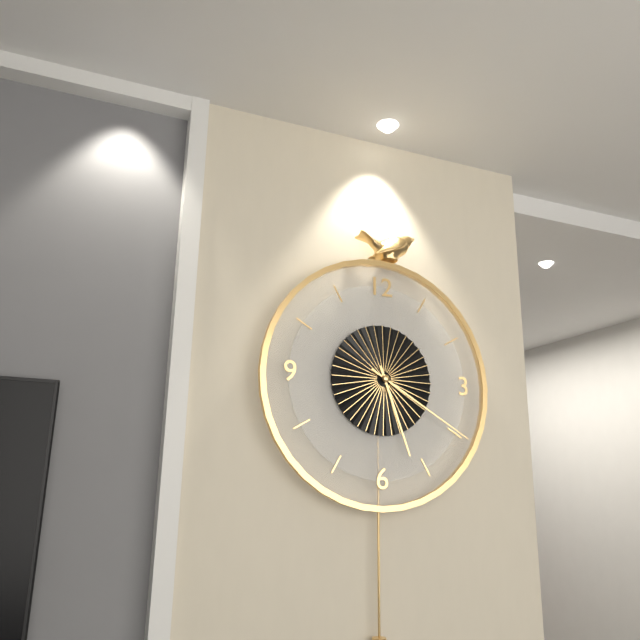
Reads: 5:20
